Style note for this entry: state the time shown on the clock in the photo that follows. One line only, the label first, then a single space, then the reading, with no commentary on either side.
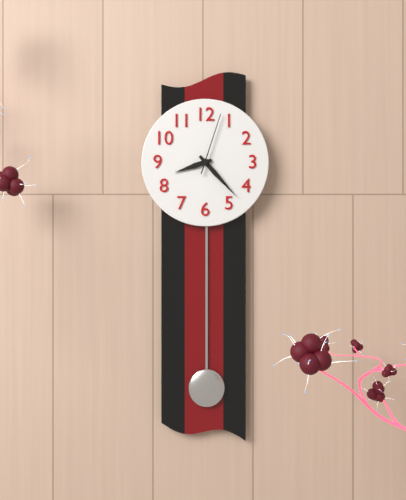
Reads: 8:23:03
